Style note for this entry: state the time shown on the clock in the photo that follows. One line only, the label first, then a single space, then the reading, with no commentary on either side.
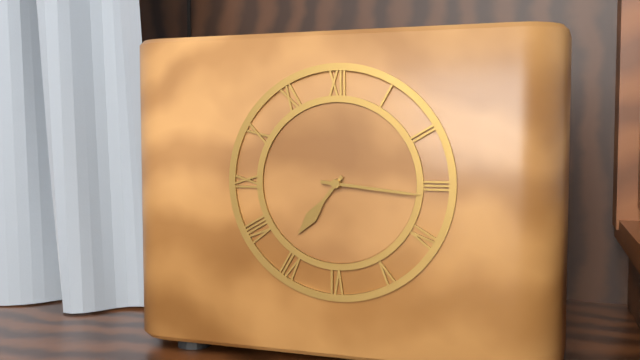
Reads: 7:16
